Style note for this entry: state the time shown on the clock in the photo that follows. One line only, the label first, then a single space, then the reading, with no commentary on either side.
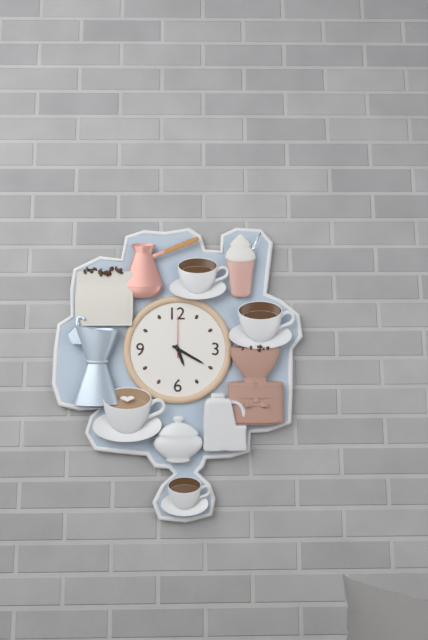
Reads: 5:20
